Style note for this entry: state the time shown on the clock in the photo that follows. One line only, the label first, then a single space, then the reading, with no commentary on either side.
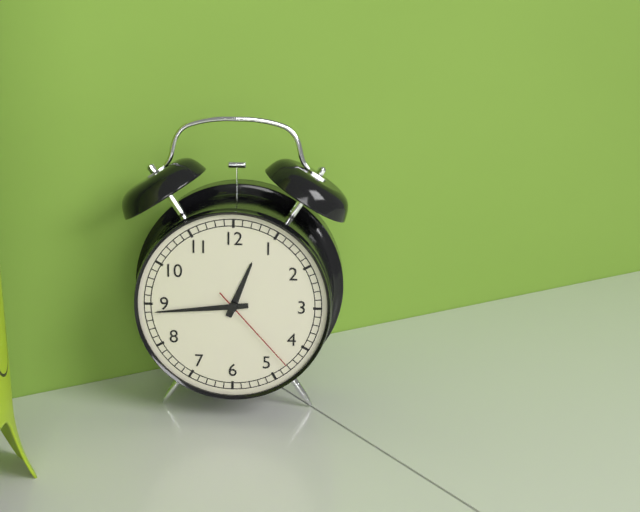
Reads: 12:44:23
